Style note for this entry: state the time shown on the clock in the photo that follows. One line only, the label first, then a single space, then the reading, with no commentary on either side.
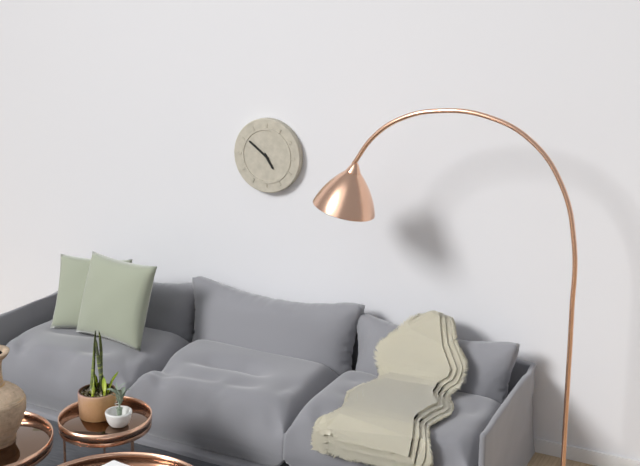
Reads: 4:51
